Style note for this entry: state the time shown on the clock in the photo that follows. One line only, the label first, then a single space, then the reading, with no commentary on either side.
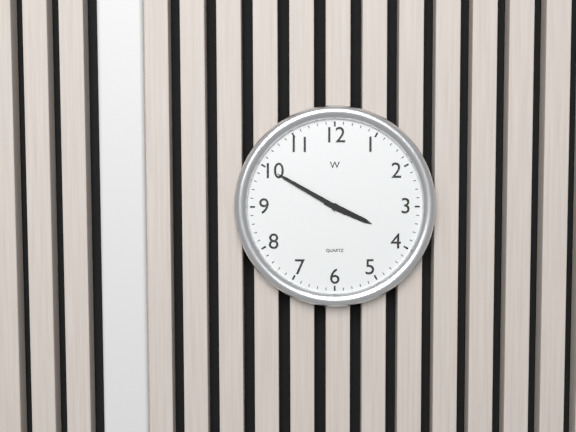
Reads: 3:50
